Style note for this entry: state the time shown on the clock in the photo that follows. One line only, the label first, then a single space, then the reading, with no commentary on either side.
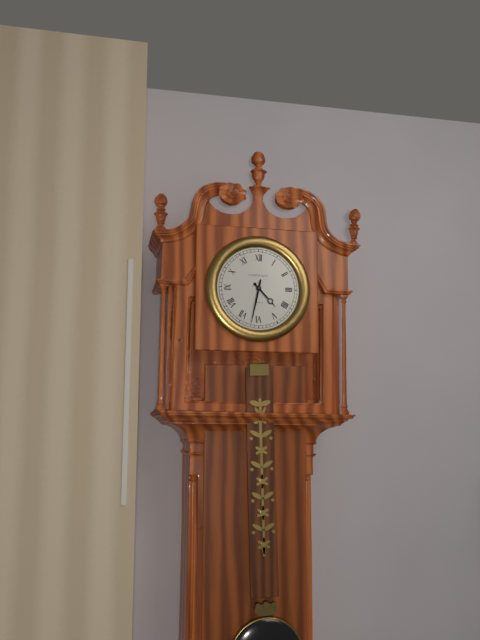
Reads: 4:32
